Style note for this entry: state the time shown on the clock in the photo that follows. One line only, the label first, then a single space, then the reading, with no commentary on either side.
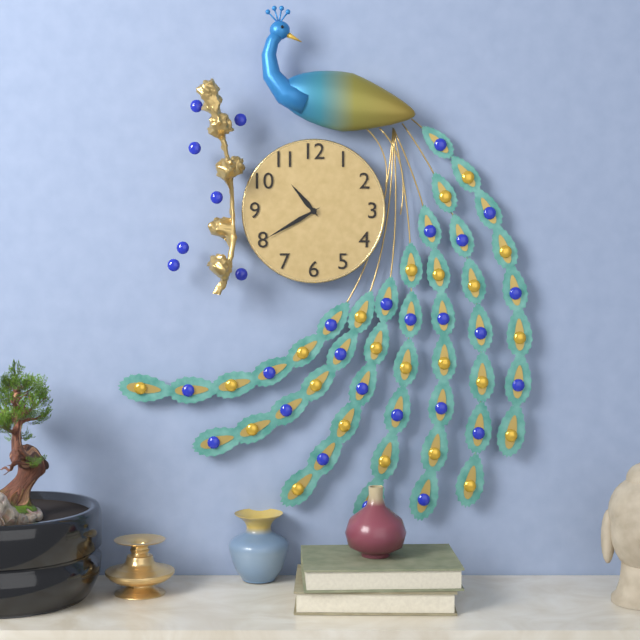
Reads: 10:40
